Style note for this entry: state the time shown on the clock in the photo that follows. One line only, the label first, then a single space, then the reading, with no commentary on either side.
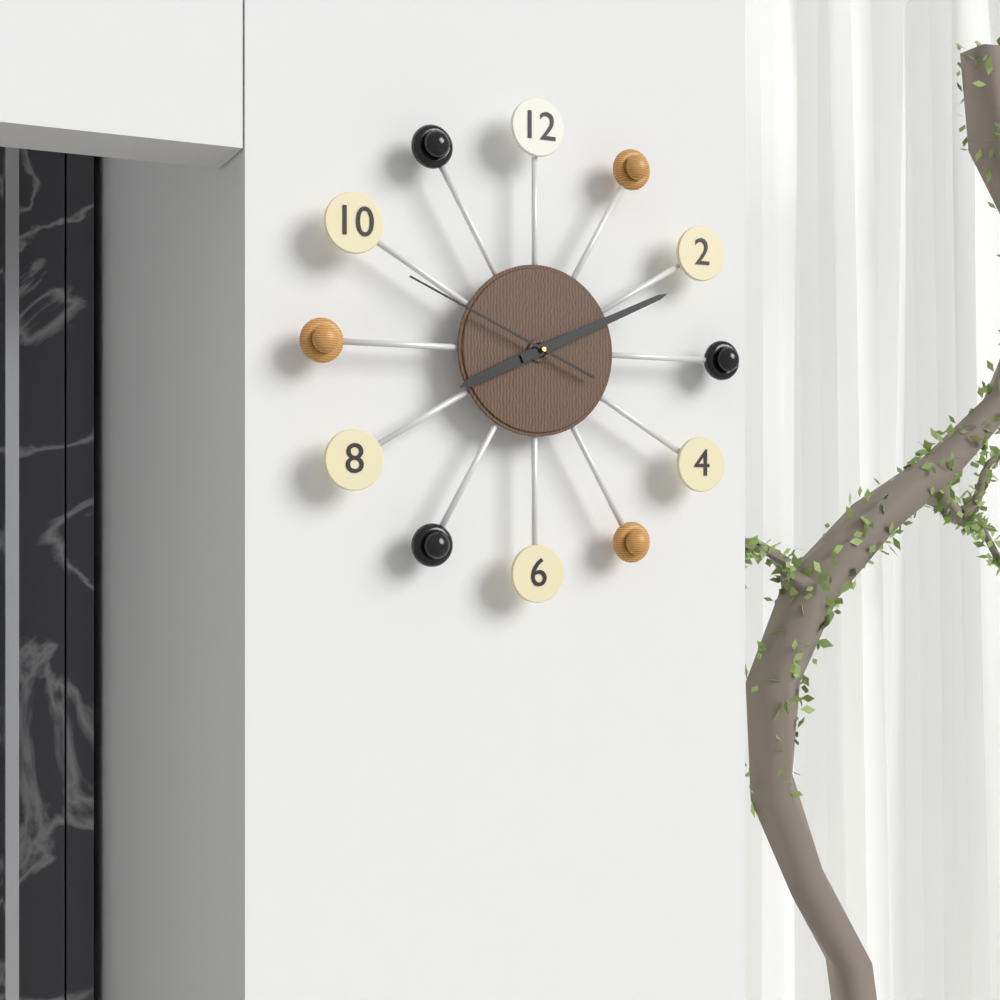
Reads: 8:11:49
